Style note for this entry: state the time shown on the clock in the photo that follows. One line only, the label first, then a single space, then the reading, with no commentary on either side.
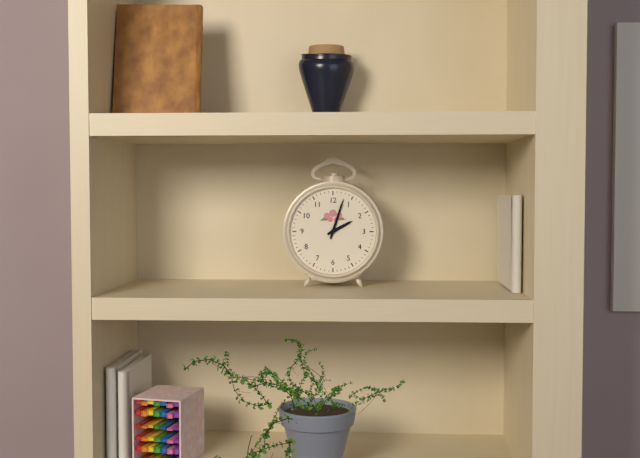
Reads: 2:03
